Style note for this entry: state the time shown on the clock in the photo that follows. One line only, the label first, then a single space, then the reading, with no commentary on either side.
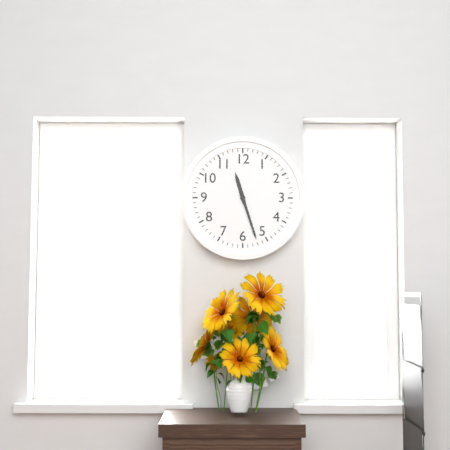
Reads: 11:27
